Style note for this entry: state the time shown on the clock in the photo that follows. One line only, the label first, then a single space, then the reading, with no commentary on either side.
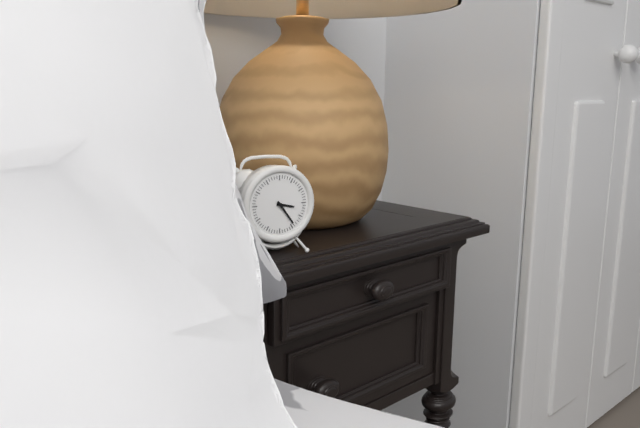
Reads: 3:24
